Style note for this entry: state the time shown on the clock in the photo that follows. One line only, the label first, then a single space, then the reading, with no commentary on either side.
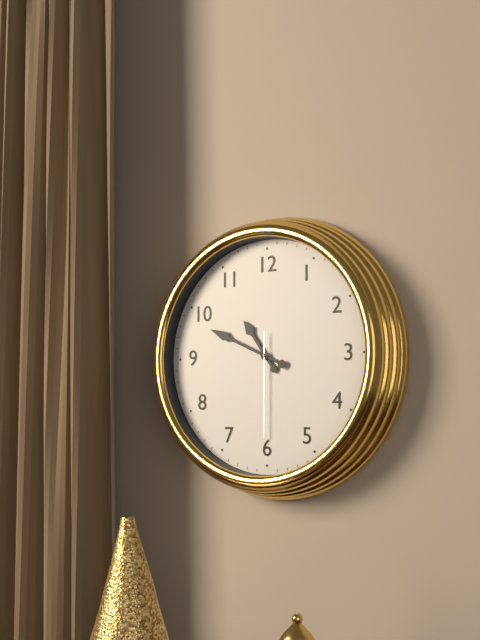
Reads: 10:49:30
